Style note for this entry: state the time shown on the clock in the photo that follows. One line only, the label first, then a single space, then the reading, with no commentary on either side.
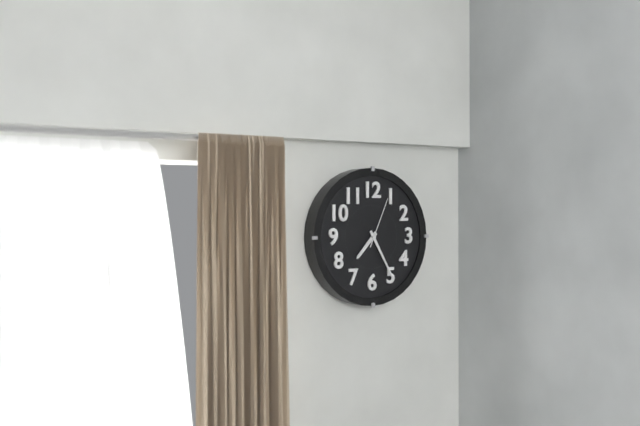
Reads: 7:25:04
